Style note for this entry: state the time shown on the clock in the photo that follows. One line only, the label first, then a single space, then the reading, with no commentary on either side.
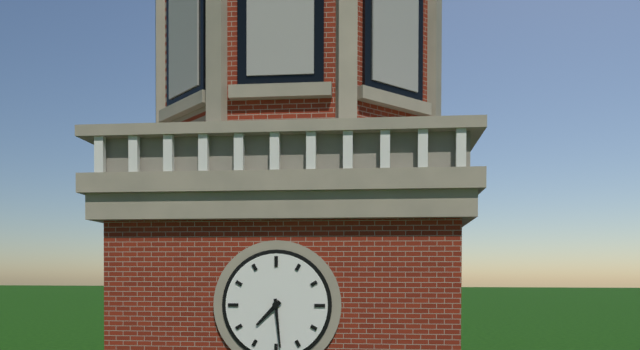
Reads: 7:29
